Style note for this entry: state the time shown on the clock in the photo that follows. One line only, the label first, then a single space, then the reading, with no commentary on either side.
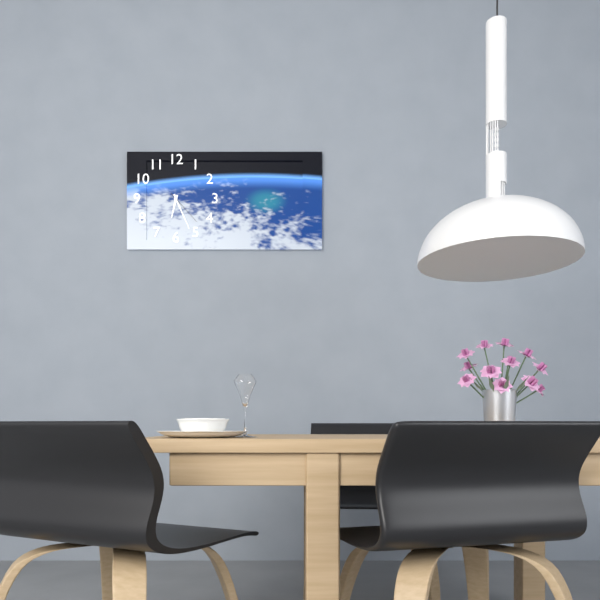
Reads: 6:26
